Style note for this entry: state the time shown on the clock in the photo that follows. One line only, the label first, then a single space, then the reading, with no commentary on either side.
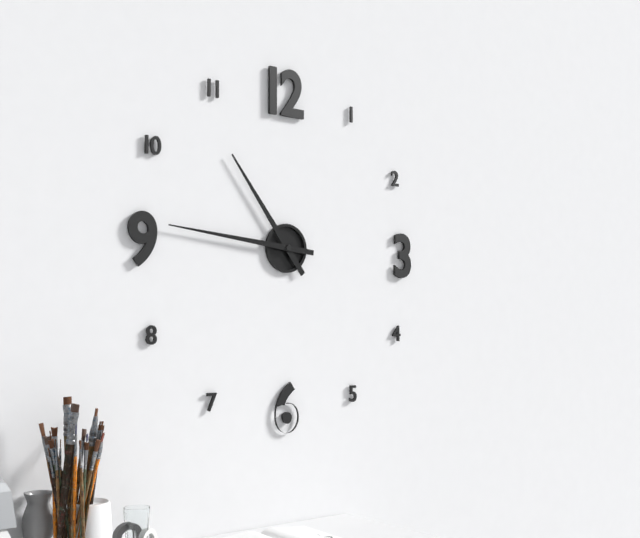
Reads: 10:46
